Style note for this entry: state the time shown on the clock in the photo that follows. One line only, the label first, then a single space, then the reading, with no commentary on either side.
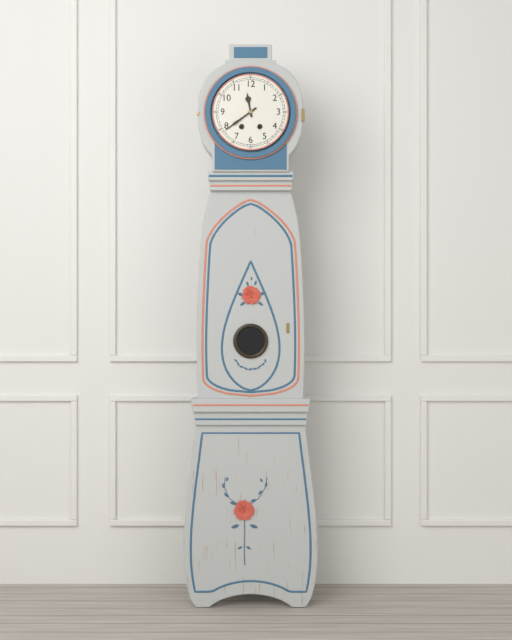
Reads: 11:39
